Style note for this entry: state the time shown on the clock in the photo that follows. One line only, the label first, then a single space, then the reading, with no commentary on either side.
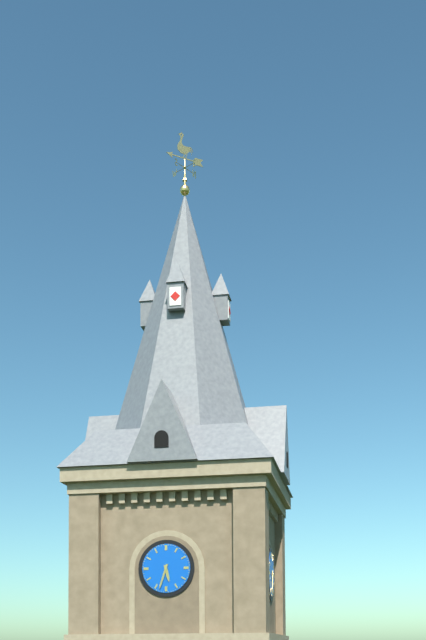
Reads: 5:33
